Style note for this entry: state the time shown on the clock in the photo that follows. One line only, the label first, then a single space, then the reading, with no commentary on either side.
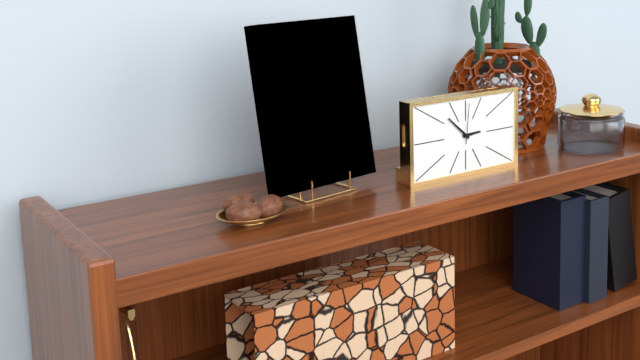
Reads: 2:52
